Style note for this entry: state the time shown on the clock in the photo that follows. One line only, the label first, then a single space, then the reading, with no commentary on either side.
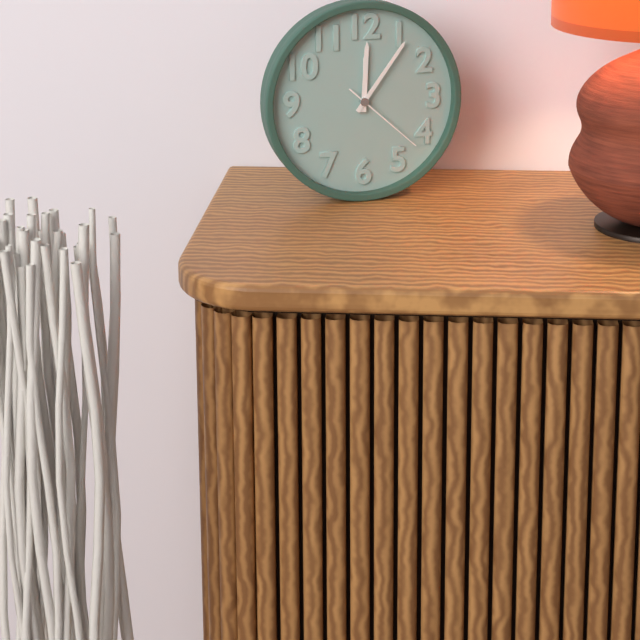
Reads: 12:06:22
